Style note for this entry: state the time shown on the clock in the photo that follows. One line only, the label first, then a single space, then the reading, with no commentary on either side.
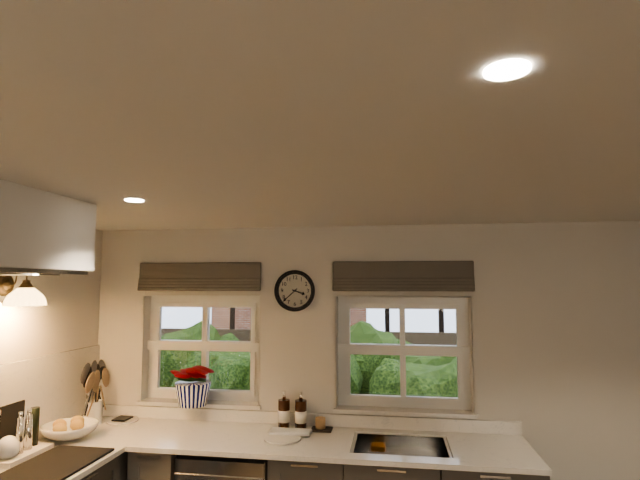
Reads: 3:38
